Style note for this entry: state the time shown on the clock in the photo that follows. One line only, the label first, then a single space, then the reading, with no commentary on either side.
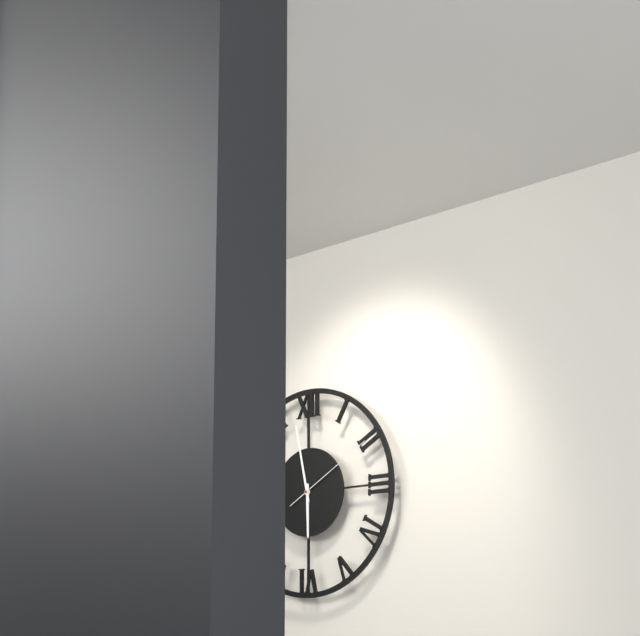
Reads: 5:58:10
